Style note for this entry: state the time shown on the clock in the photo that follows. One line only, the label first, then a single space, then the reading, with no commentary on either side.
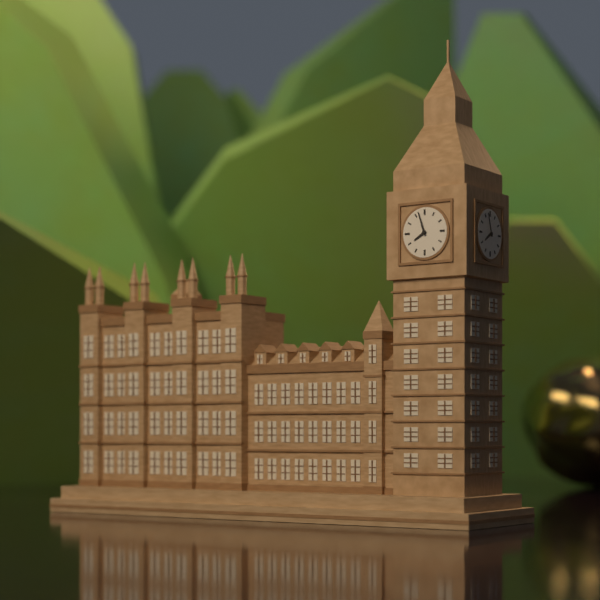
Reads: 7:57
